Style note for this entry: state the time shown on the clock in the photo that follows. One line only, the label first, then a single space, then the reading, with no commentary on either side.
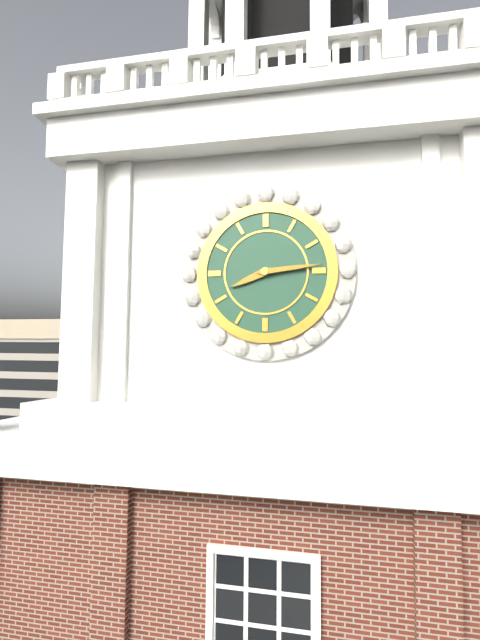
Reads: 8:14
